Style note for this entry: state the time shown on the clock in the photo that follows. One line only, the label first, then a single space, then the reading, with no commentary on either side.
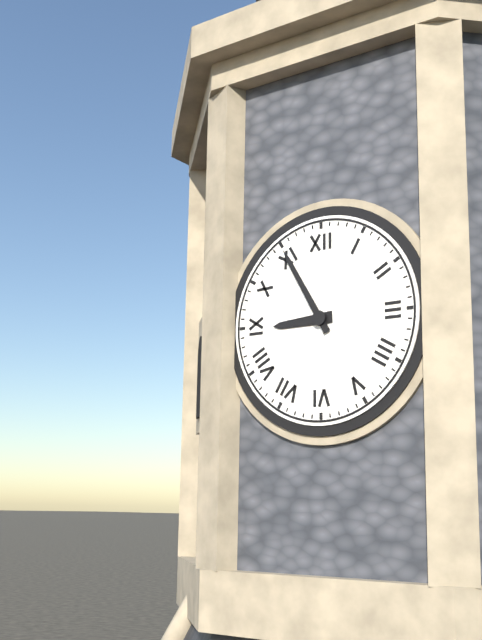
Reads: 8:55
